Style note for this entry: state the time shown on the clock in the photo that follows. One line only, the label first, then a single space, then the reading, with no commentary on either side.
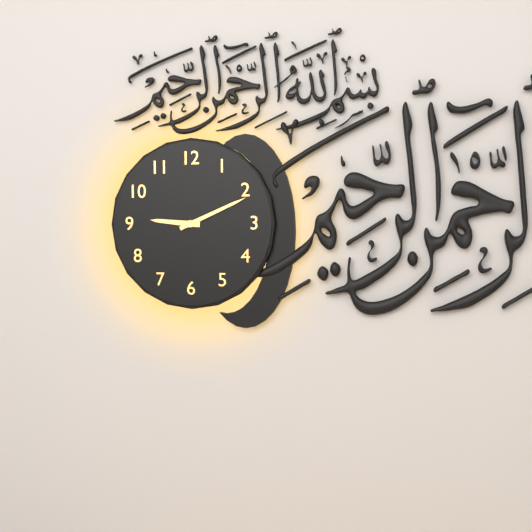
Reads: 9:11
